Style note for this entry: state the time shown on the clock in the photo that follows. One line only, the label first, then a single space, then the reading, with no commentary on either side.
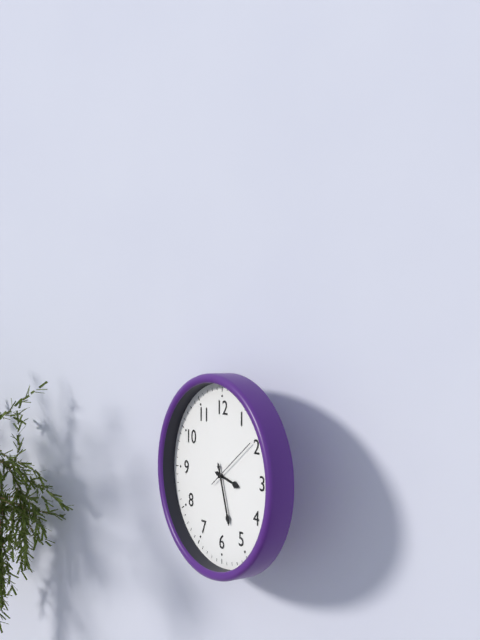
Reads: 3:27:09
